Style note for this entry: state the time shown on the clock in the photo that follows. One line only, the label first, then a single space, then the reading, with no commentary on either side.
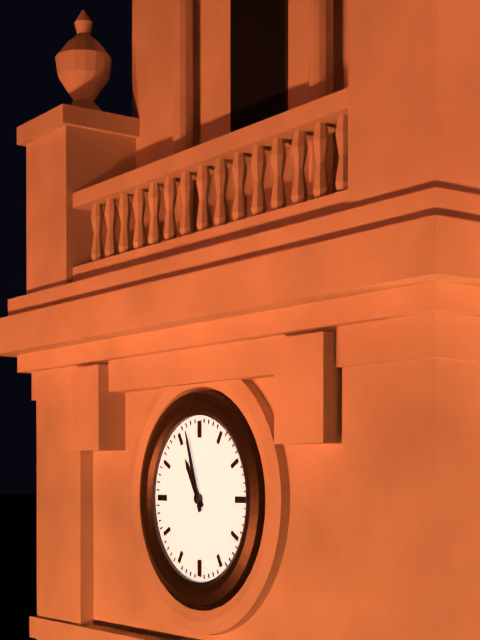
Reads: 10:57
